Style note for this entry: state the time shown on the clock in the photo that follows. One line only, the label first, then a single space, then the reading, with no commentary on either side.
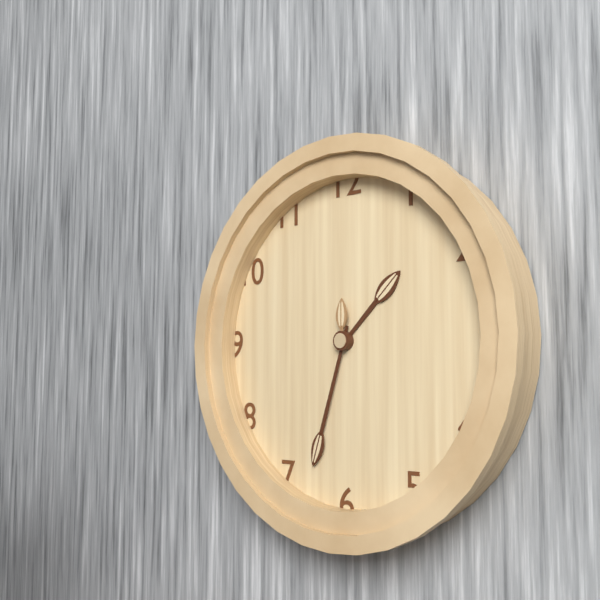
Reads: 1:33:00
